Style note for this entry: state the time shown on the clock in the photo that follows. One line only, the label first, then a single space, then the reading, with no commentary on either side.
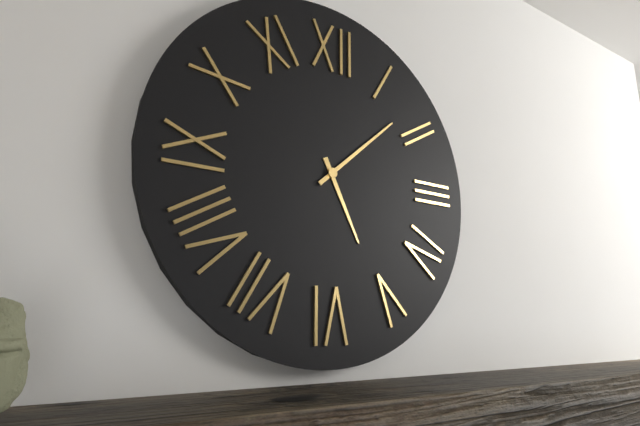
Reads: 5:08
